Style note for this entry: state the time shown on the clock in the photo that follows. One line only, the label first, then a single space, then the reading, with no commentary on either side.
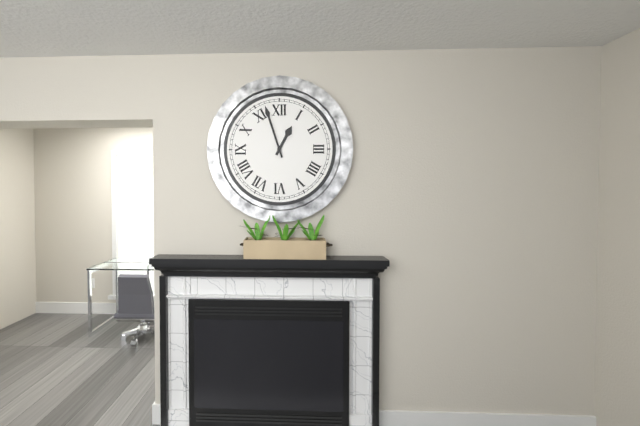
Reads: 12:57
